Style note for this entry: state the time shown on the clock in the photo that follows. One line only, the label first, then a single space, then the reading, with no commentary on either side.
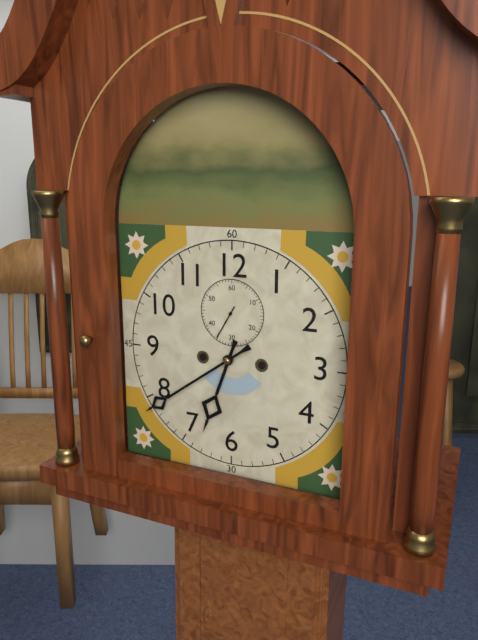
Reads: 6:39
